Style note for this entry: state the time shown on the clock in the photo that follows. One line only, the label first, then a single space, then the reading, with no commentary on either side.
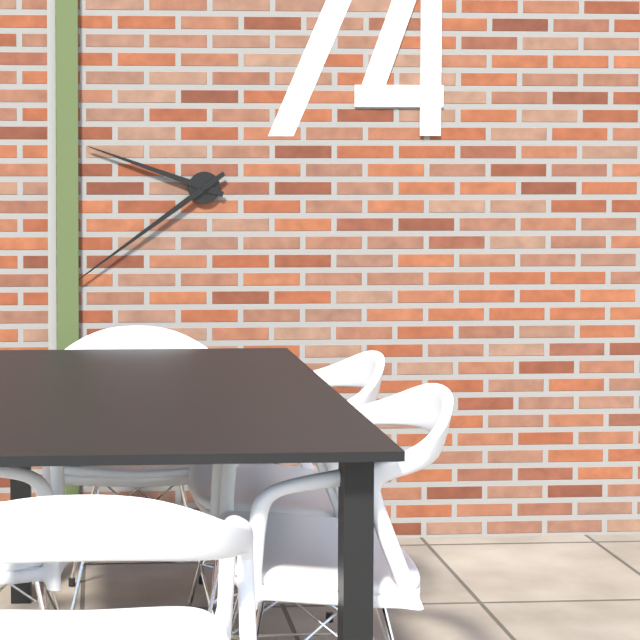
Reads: 9:39
